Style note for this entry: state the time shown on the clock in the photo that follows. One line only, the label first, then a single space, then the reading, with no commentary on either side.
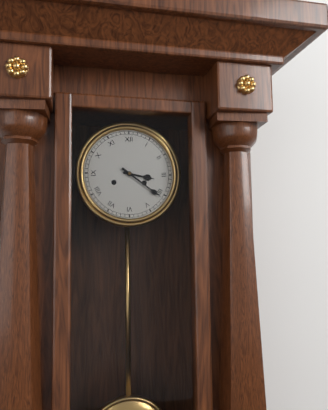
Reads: 3:21
